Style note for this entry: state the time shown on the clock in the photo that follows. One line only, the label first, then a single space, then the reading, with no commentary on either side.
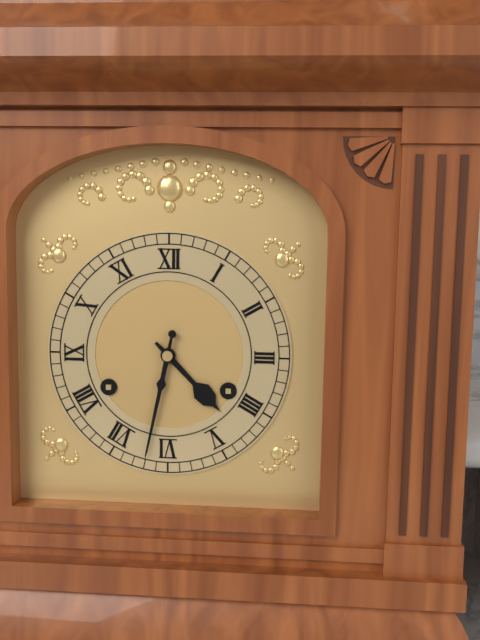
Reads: 4:32
